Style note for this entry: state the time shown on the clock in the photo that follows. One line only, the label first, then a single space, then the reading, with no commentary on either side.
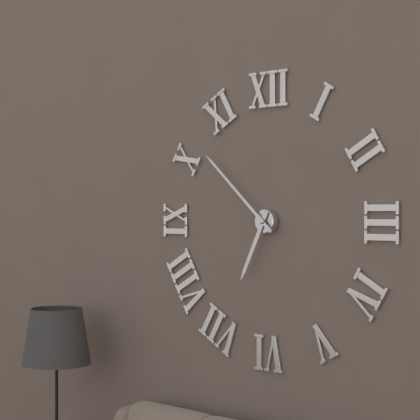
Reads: 6:52
